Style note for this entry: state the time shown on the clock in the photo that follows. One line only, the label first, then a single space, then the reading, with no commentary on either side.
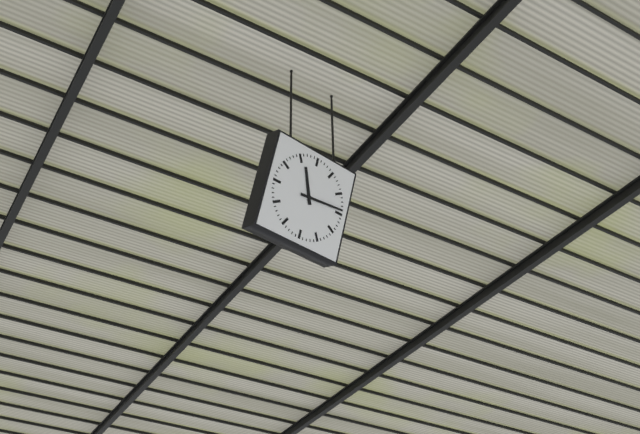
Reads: 11:14
